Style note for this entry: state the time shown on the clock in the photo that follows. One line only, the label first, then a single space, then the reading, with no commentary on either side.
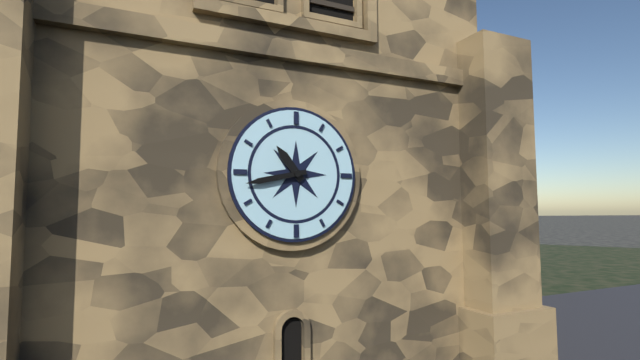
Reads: 10:43
